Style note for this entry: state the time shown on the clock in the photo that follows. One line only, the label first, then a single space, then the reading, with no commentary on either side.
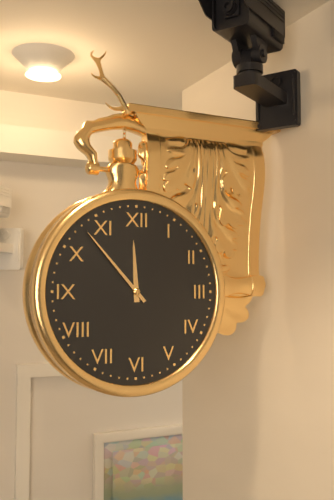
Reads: 11:53
